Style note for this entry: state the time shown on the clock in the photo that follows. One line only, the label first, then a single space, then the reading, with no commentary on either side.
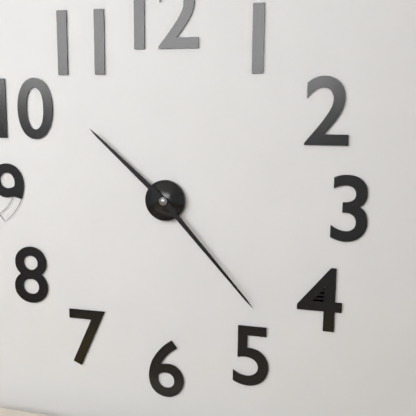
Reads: 10:23
